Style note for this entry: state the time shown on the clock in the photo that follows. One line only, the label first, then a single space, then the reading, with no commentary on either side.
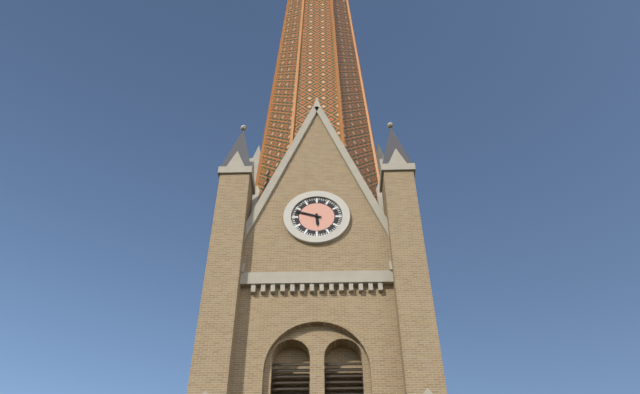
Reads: 5:48
